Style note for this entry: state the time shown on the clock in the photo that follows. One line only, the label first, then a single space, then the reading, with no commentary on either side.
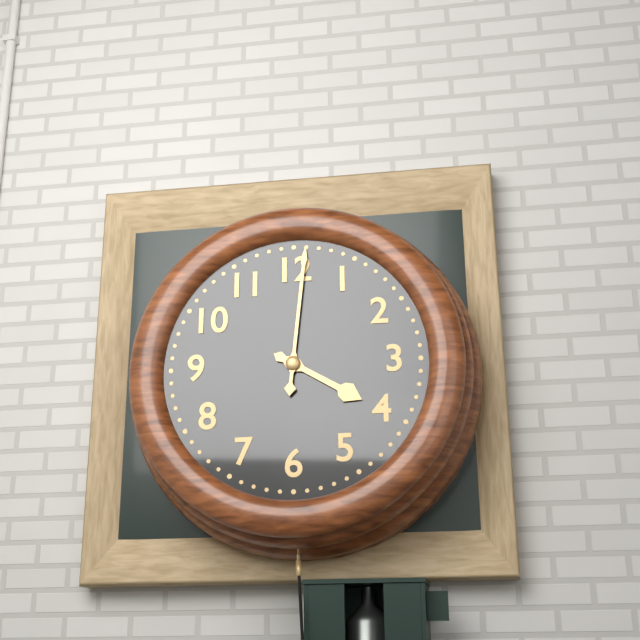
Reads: 4:01
